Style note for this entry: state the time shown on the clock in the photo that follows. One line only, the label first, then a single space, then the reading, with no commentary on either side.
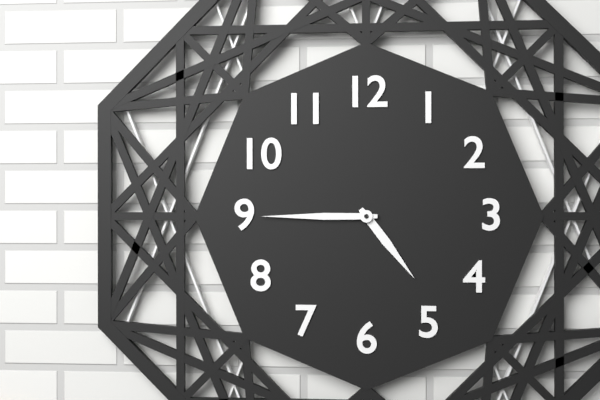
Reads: 4:45
